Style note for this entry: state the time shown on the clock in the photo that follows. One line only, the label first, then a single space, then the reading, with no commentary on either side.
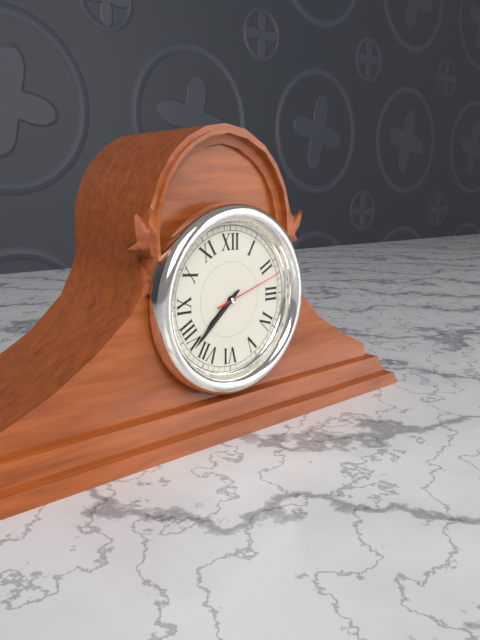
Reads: 7:38:12
